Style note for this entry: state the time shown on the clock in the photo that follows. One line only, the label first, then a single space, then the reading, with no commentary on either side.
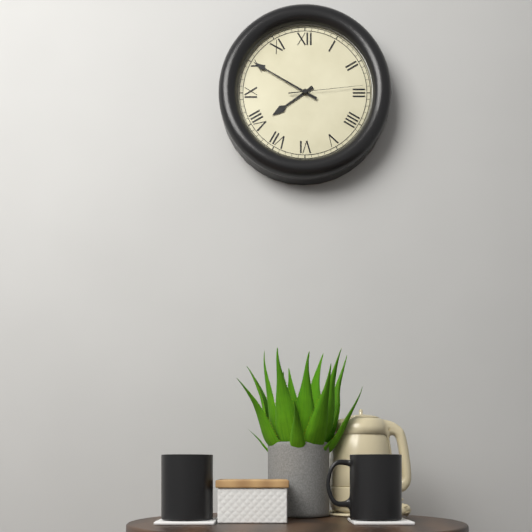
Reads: 7:50:14
